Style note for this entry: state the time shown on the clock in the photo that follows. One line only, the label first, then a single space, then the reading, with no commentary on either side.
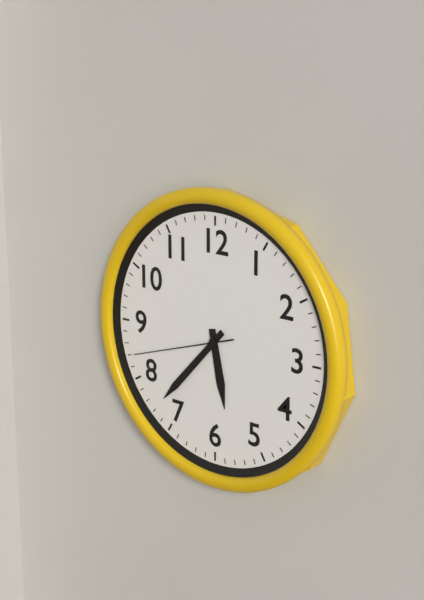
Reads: 5:37:42
